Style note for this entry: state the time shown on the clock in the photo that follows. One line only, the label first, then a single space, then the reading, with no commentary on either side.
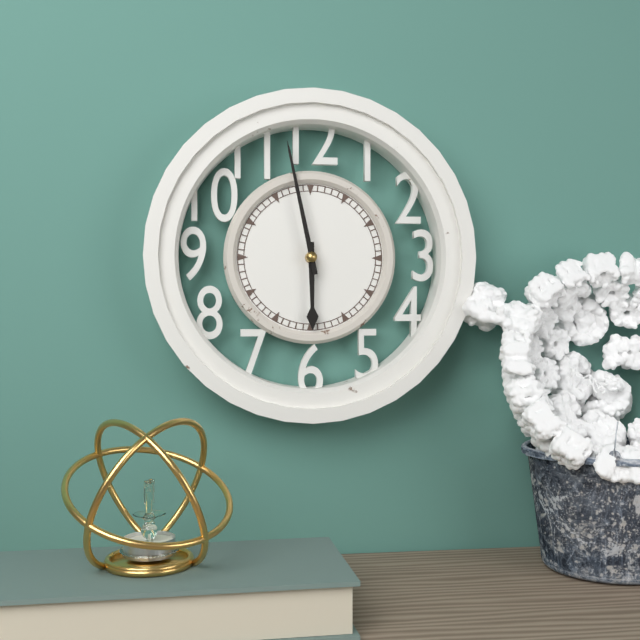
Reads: 5:58
